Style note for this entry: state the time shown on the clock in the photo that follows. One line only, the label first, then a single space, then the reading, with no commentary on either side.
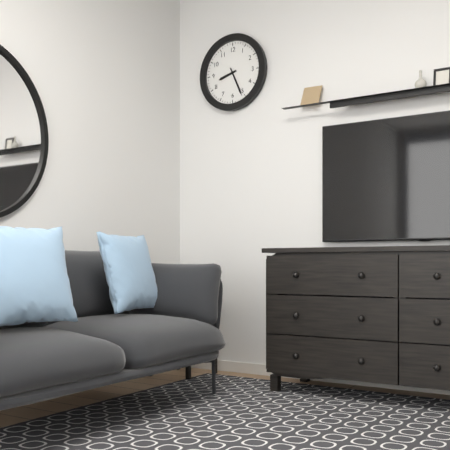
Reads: 8:26
